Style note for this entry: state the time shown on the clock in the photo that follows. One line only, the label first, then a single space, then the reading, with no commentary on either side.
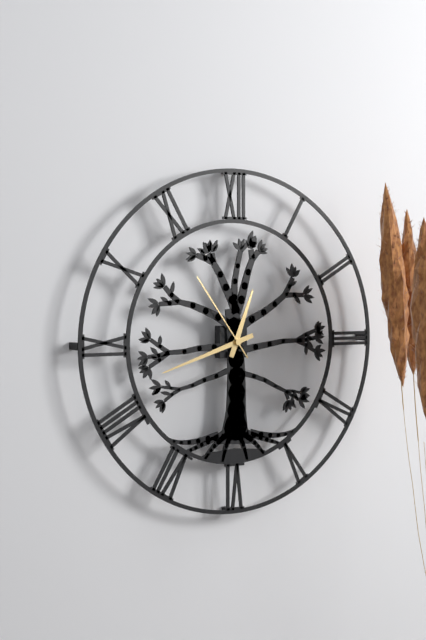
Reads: 12:42:54
